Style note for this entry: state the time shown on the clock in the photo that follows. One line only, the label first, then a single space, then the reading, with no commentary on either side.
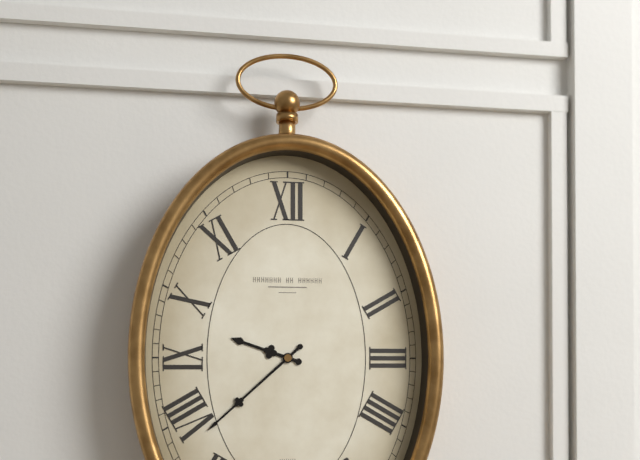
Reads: 9:38
